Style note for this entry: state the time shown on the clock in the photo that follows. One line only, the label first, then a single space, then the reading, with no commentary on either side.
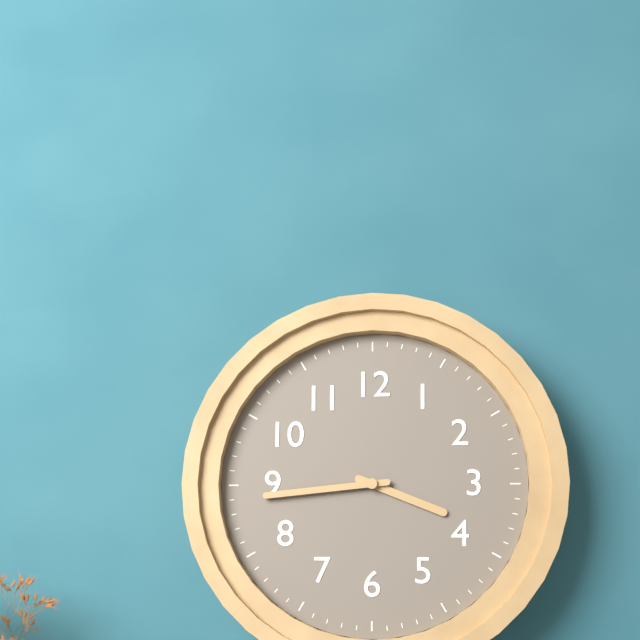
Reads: 3:44
